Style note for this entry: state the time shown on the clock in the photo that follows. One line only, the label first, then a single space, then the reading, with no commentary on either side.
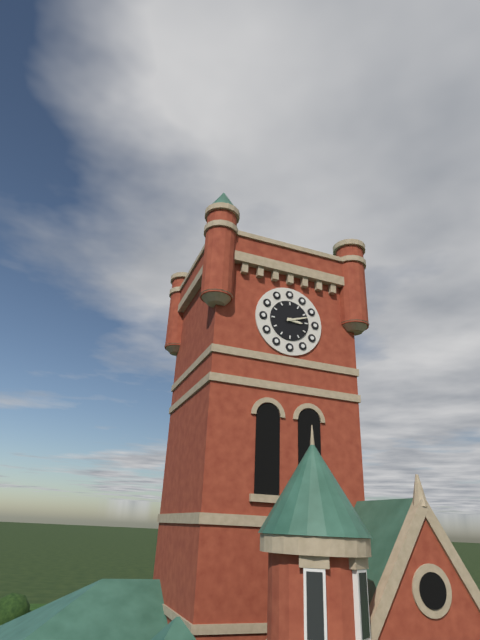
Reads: 3:12
